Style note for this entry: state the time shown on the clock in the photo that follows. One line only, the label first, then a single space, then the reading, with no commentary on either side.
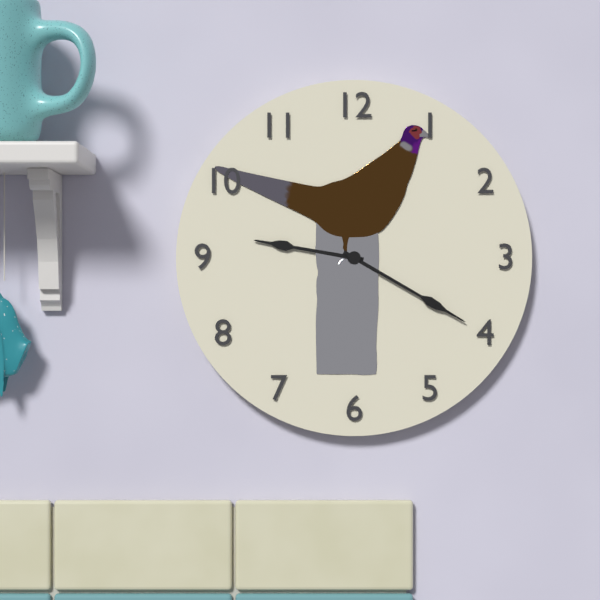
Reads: 9:20
